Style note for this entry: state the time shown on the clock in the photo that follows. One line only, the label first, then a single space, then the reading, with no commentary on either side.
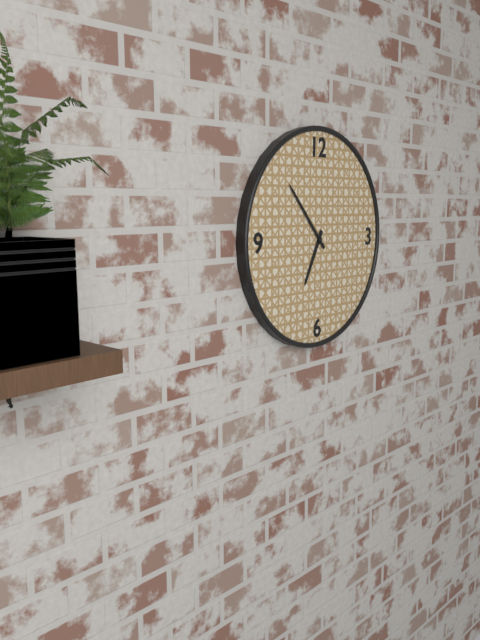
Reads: 6:53
